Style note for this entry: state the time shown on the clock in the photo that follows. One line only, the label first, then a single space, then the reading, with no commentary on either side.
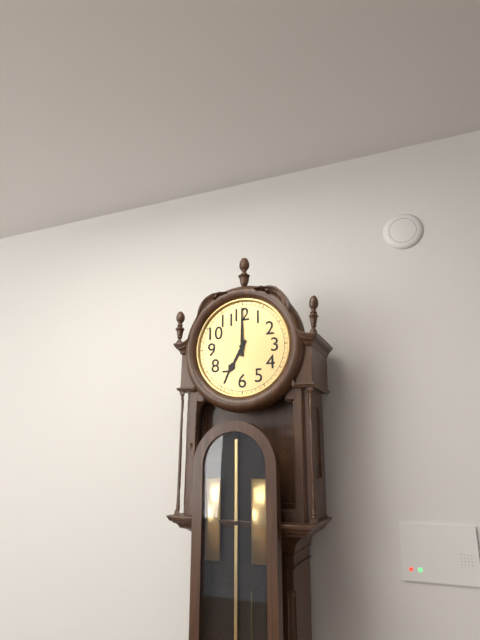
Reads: 7:00
